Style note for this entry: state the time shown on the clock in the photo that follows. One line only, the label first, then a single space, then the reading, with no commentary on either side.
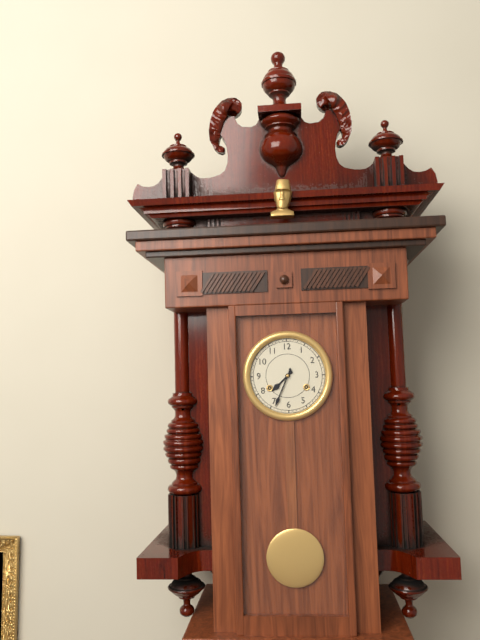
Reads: 7:34
